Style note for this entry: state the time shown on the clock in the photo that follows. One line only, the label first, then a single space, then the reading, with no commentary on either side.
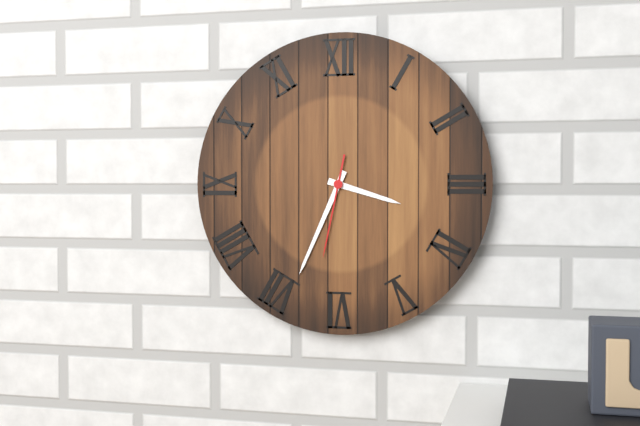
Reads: 3:34:32
